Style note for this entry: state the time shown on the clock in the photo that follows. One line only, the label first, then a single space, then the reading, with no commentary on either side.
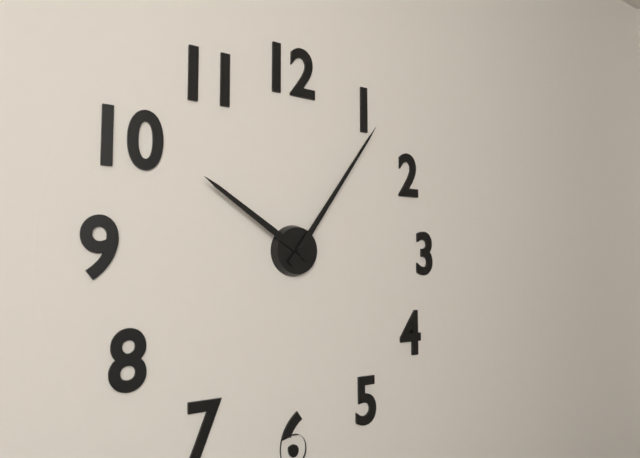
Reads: 10:06
